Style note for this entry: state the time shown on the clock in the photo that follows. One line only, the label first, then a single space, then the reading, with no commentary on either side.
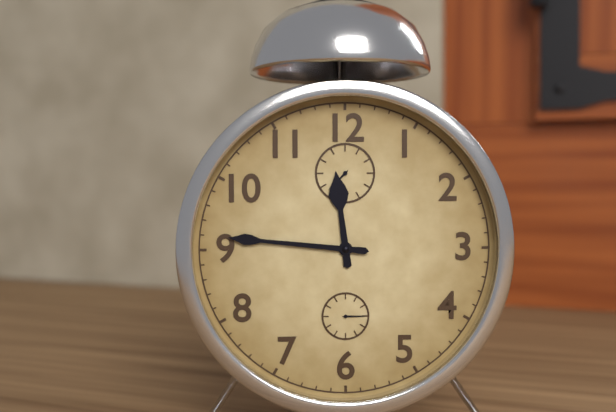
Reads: 11:46
